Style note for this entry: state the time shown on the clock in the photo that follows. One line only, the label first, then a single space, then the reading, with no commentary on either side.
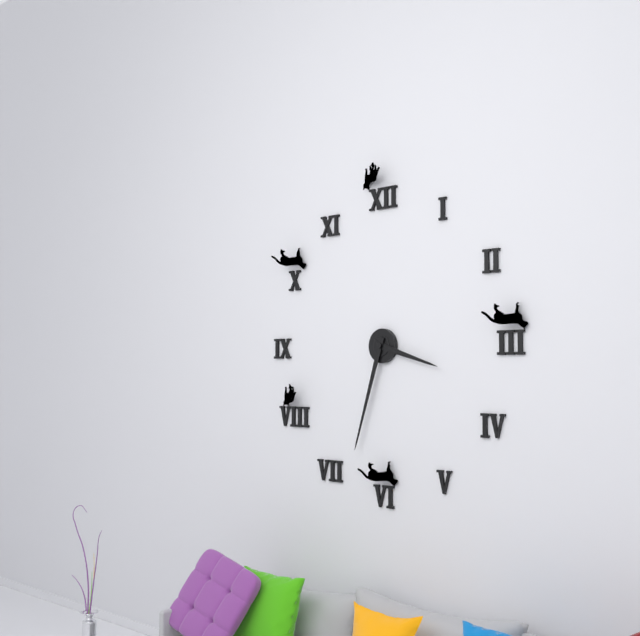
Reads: 3:33
